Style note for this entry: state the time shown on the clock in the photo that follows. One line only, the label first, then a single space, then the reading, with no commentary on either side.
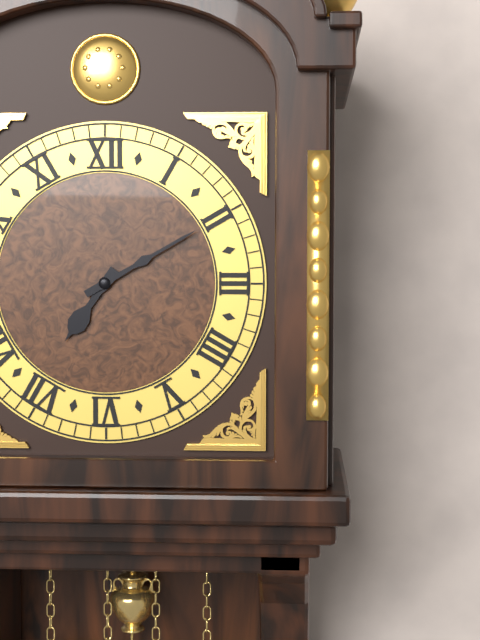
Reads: 7:10
